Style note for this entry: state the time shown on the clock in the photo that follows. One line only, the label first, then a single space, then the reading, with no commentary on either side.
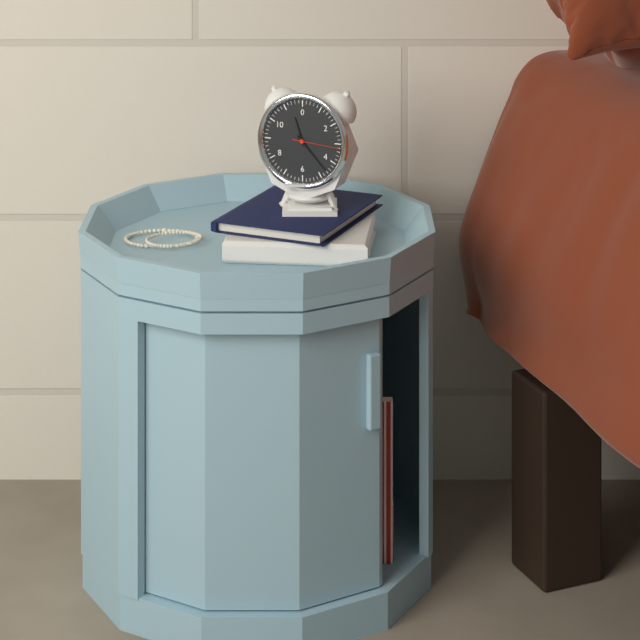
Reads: 11:23
